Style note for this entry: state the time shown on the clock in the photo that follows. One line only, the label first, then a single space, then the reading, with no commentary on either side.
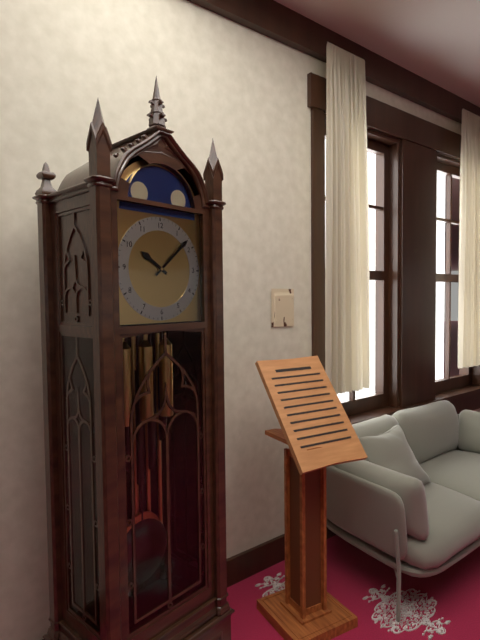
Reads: 10:08
